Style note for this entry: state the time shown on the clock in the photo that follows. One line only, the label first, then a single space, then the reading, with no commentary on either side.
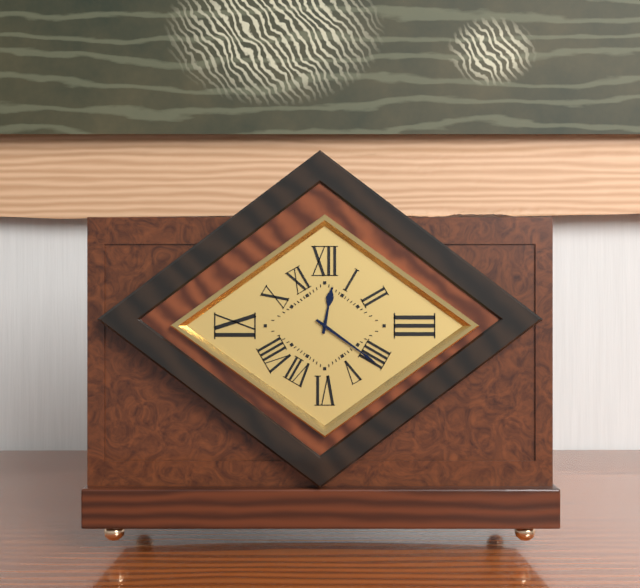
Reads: 12:21
